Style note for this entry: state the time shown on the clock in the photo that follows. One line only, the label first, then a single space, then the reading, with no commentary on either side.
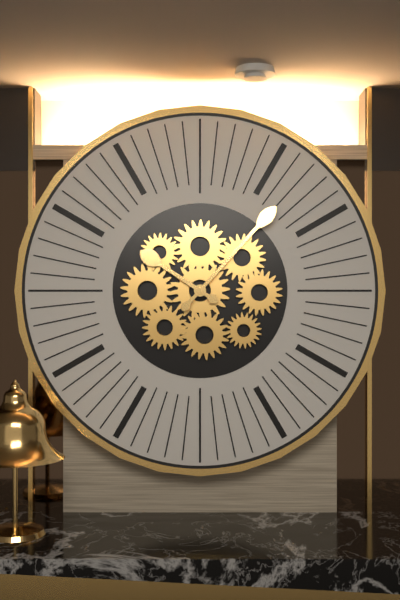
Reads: 10:07
